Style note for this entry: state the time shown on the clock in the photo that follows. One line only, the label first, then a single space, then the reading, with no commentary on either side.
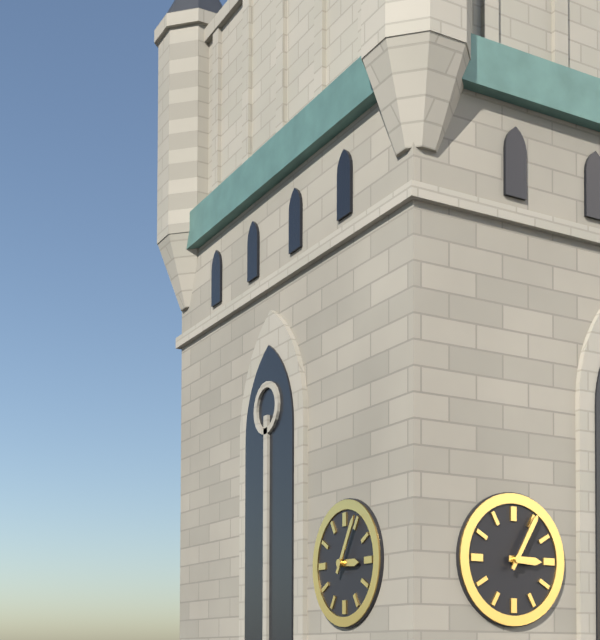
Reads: 3:05
